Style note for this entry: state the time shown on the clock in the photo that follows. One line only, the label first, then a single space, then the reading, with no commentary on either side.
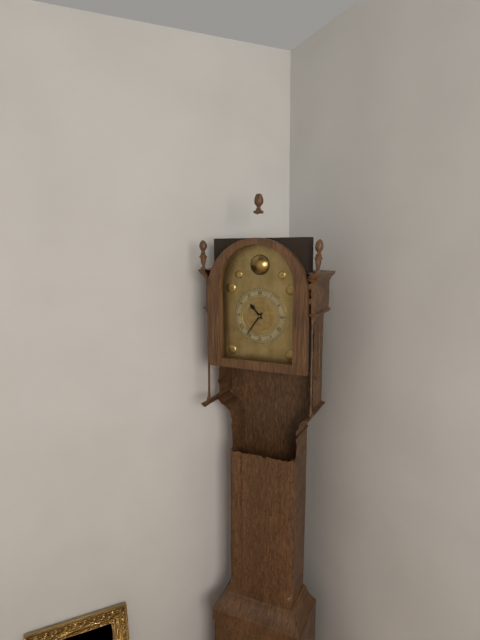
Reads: 10:36
